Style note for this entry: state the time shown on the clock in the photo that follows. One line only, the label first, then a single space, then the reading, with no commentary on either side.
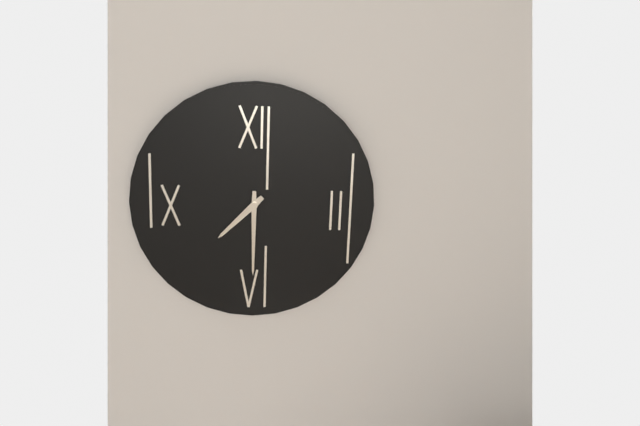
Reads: 7:30
